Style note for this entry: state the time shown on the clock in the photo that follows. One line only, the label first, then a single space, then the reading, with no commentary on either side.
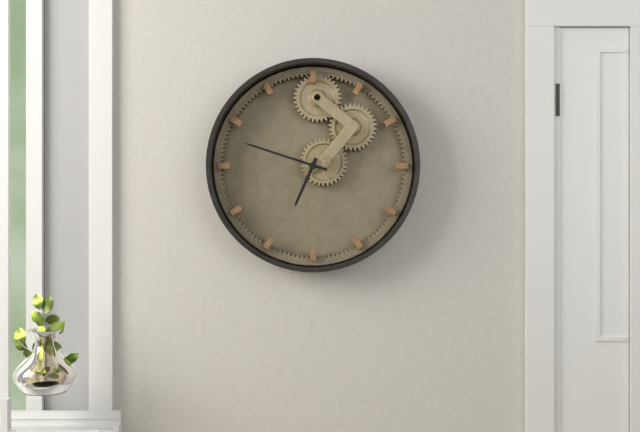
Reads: 6:48
